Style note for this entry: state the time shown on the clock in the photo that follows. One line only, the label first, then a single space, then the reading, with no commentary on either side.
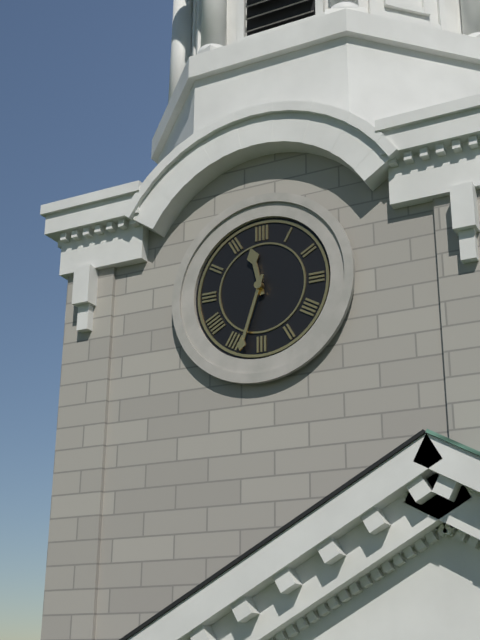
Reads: 11:33
